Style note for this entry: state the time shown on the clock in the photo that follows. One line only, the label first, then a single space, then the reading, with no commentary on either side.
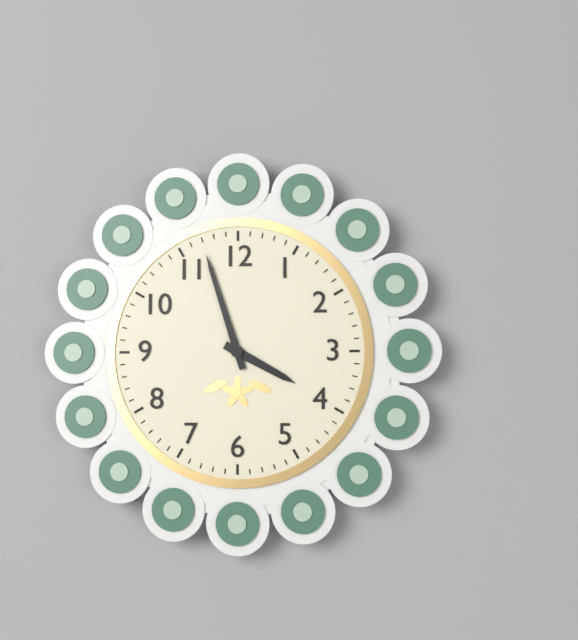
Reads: 3:57
